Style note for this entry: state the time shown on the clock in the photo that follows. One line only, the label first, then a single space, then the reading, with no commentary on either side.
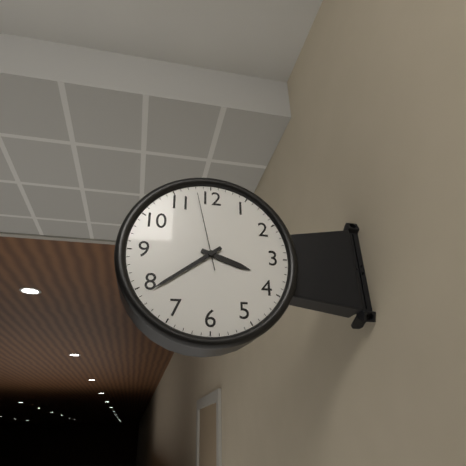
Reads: 3:39:58
